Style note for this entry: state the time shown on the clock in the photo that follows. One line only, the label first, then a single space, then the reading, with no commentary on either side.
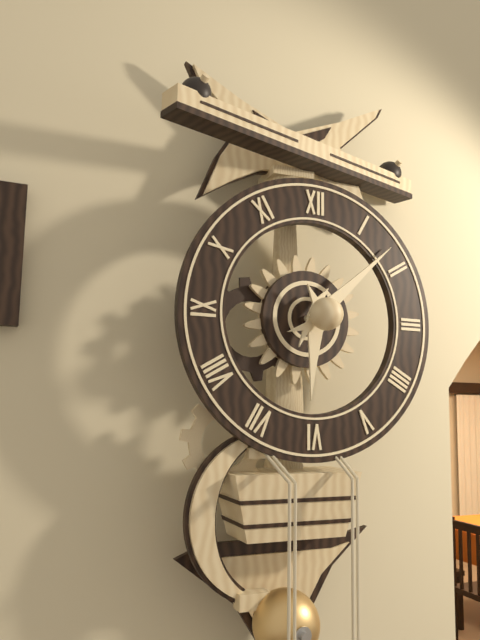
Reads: 6:08
